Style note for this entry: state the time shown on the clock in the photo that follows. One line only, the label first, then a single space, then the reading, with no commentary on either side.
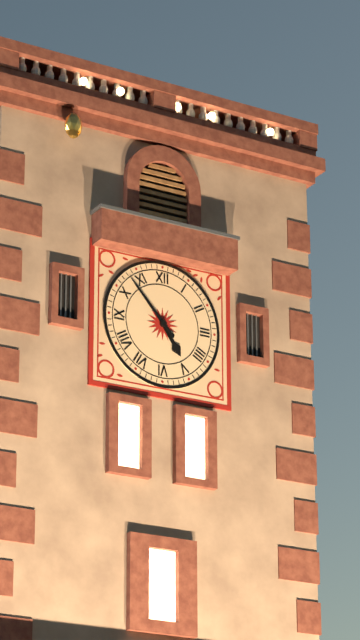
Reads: 4:53
